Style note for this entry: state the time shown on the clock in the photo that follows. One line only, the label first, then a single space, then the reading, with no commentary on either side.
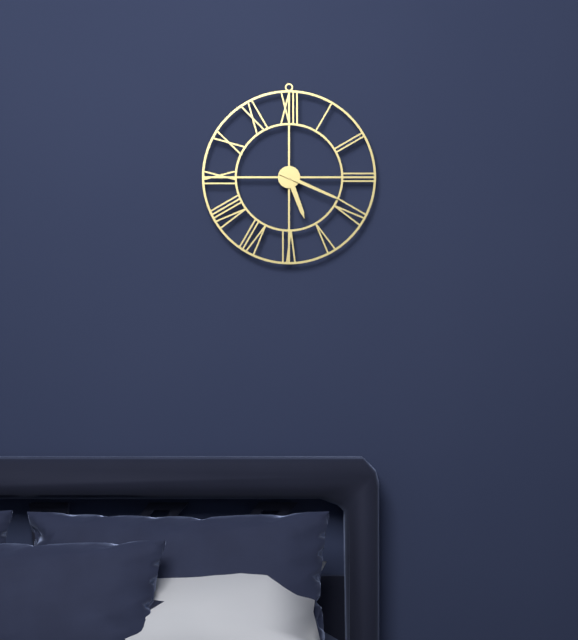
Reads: 5:19
